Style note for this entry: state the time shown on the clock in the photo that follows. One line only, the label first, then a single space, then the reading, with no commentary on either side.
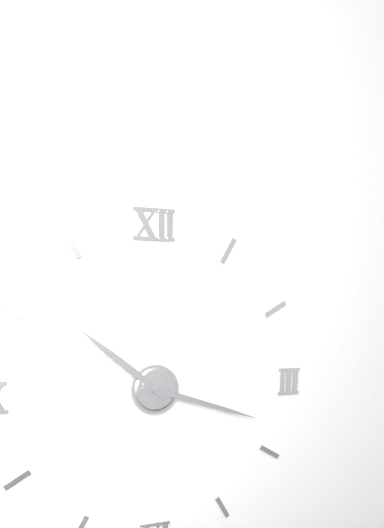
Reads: 10:18
